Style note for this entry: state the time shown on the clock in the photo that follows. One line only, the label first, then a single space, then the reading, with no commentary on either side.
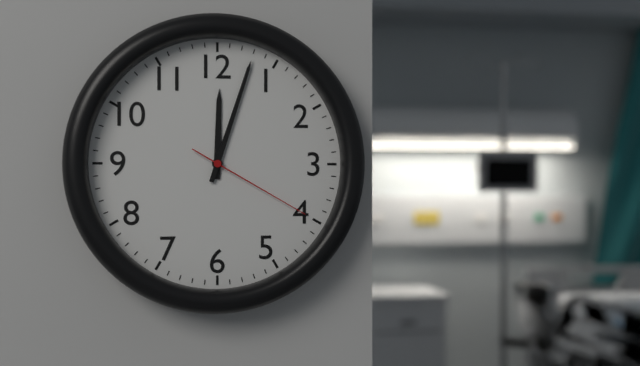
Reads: 12:03:20
